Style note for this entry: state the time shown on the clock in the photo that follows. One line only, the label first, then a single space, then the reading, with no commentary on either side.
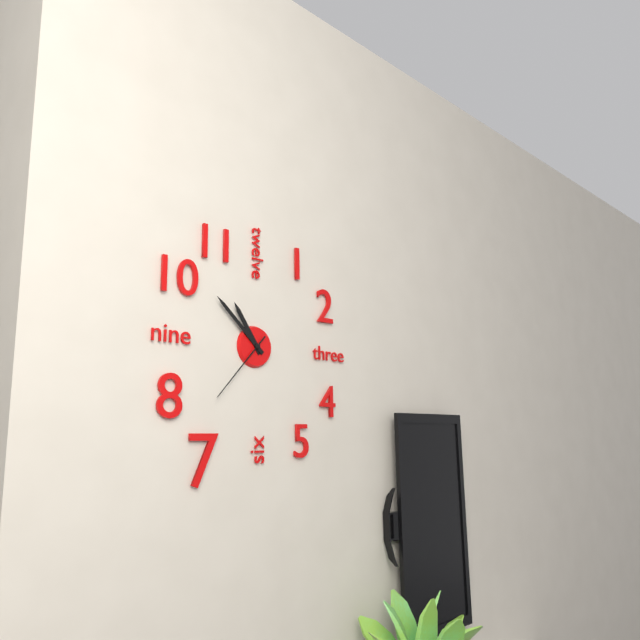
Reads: 10:52:37
